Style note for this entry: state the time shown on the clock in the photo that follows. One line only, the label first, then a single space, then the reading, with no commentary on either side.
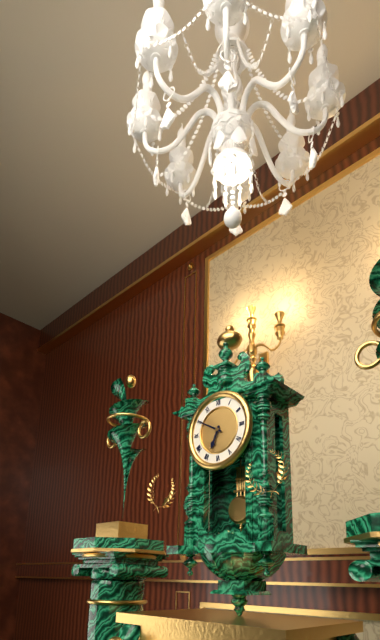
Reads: 6:50
